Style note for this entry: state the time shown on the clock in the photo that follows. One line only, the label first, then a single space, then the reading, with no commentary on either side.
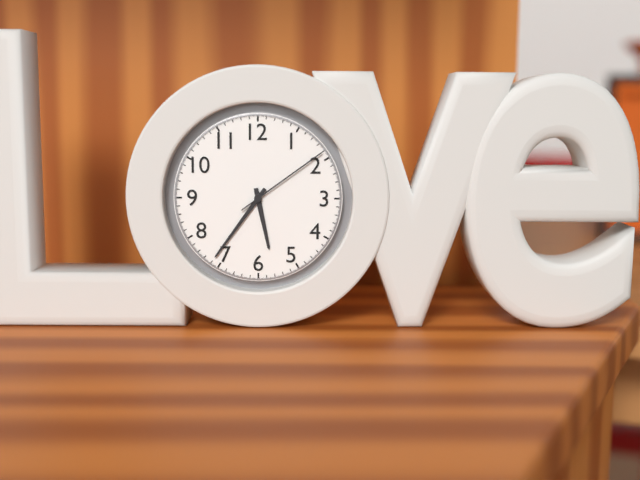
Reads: 5:36:09
